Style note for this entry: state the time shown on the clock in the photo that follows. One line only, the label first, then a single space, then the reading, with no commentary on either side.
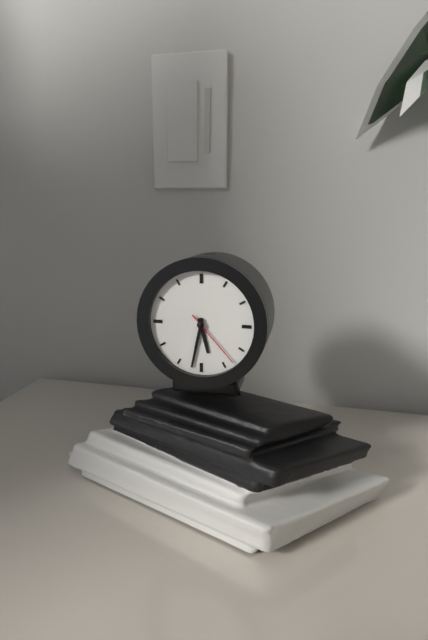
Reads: 5:32:23
